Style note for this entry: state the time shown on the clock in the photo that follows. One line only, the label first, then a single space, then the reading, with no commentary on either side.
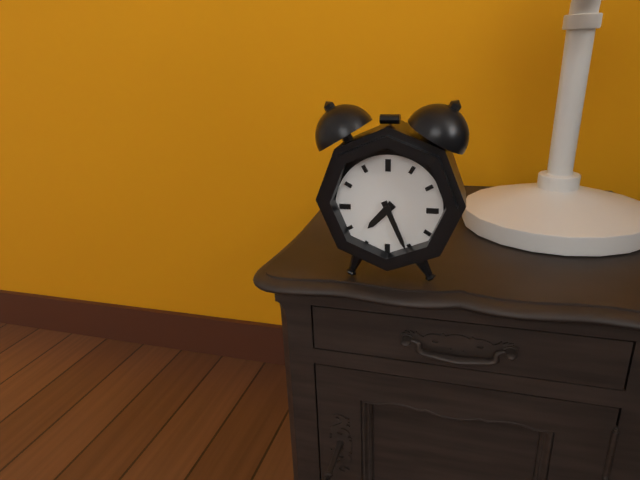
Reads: 7:26
